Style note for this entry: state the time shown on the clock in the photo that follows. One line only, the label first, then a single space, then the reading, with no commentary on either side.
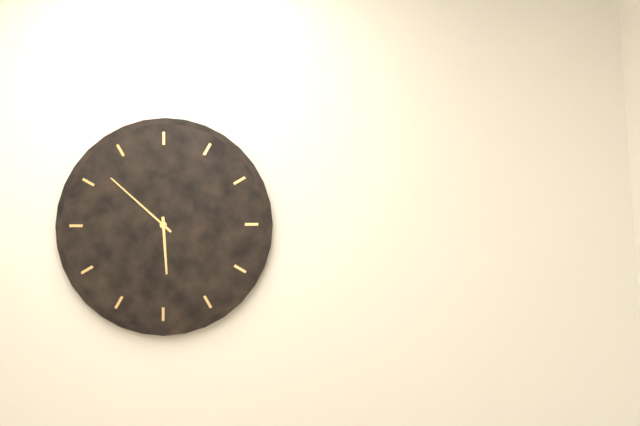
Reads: 5:52
